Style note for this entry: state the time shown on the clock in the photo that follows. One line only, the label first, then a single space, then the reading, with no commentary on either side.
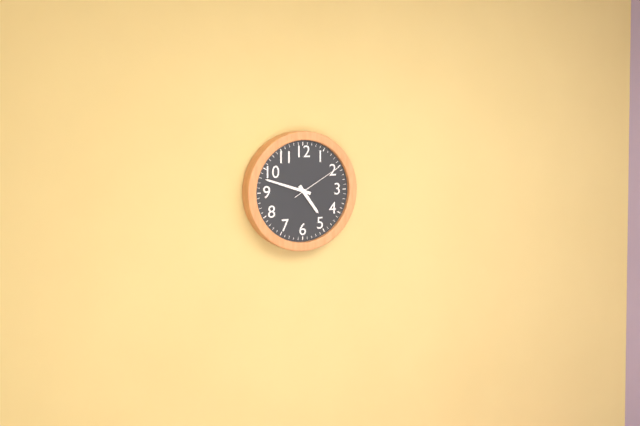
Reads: 4:48:10
